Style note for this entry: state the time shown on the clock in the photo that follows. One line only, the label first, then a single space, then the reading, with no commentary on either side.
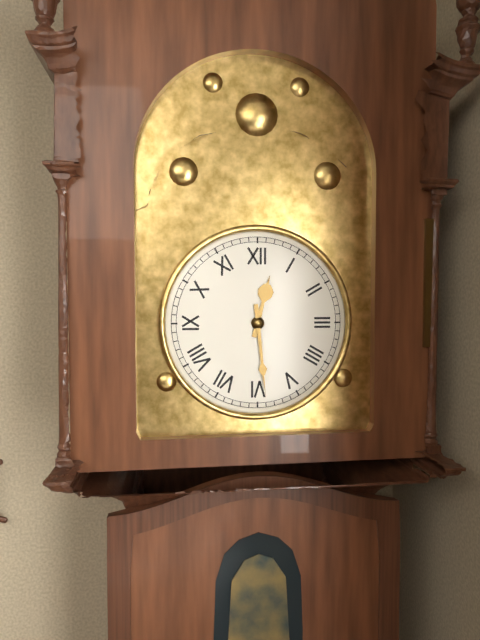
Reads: 12:29
